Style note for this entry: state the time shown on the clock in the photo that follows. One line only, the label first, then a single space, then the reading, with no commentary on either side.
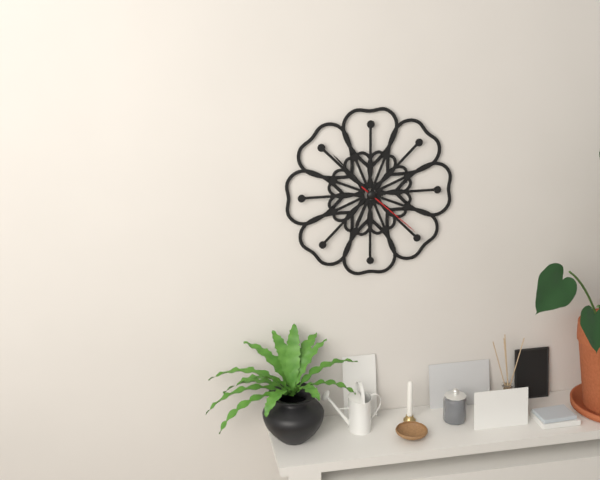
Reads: 6:53:22
